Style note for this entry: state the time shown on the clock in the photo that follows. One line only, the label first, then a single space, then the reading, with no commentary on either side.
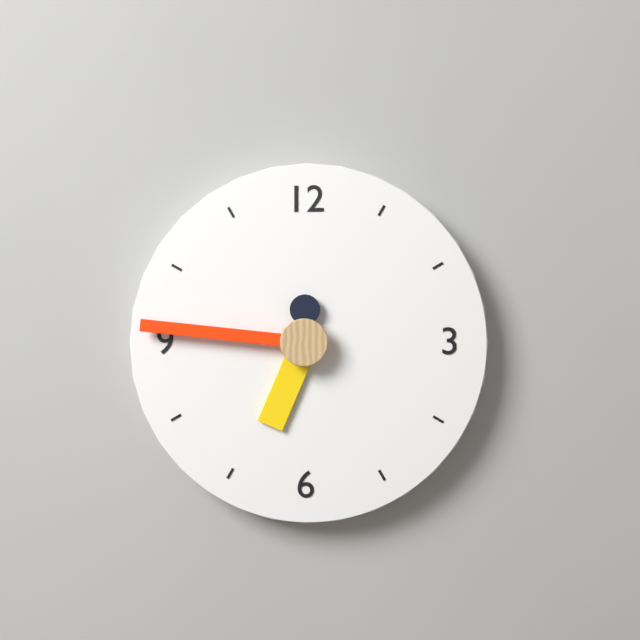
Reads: 6:46
